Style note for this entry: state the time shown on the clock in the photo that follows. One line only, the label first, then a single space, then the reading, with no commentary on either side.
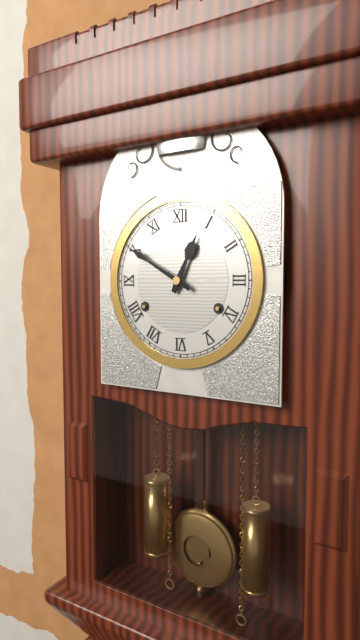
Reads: 12:50
